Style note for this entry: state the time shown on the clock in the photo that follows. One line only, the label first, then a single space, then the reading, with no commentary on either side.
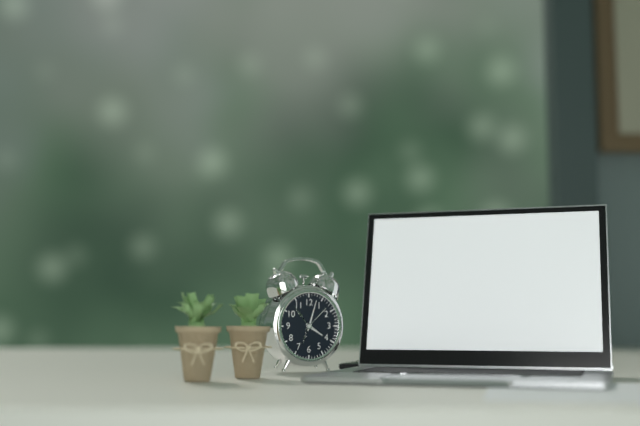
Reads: 4:03
